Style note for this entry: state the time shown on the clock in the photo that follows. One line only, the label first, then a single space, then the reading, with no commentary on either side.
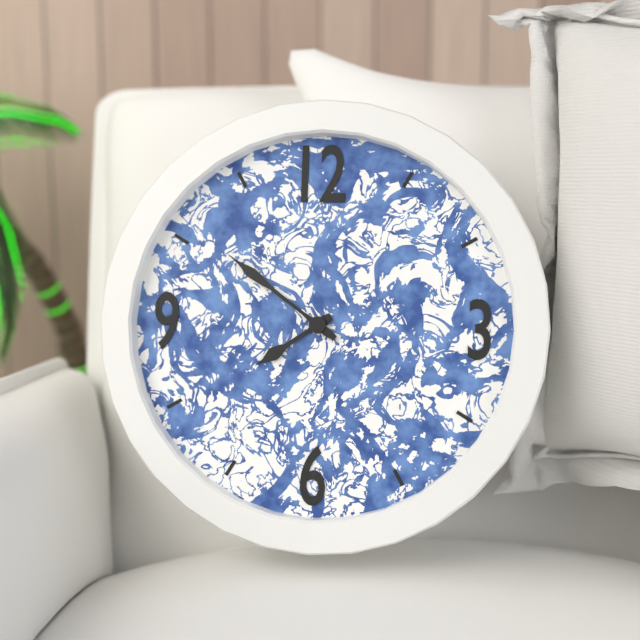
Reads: 7:51
